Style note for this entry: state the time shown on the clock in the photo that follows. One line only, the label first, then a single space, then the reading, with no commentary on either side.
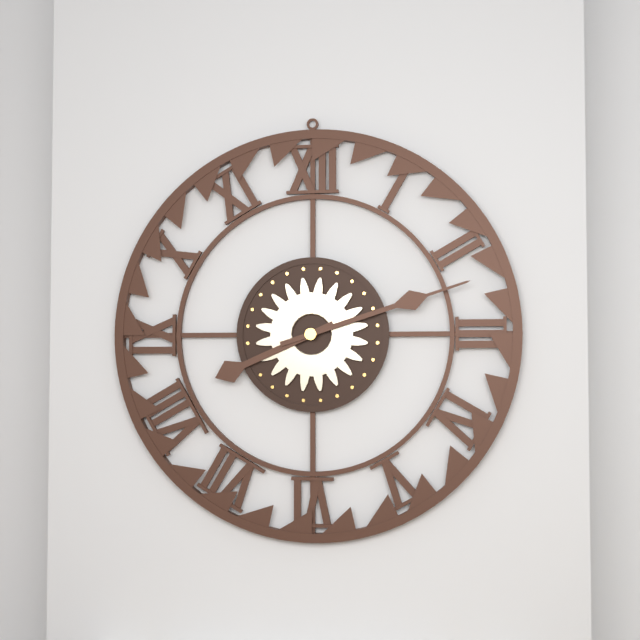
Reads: 8:12
